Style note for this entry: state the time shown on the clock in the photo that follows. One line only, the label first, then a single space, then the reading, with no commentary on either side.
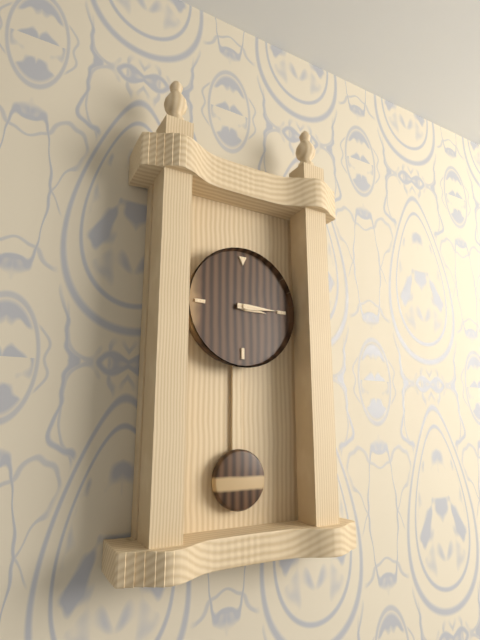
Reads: 3:15
